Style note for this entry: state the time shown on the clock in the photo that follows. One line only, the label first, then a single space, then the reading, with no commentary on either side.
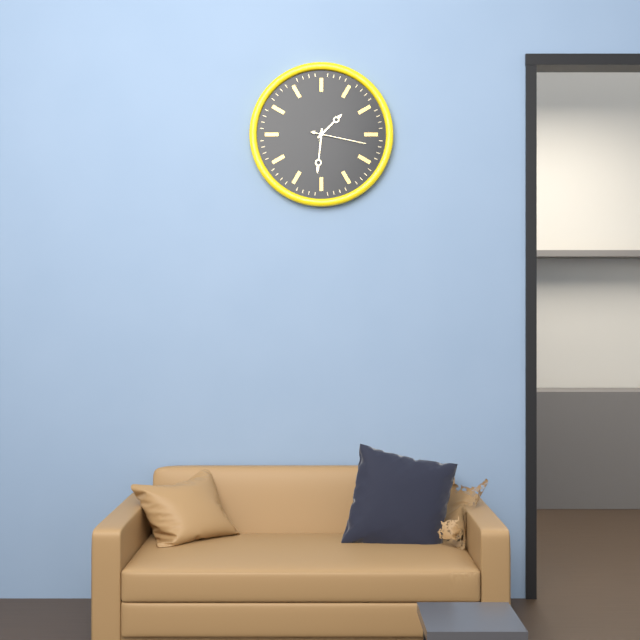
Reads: 1:31:17
